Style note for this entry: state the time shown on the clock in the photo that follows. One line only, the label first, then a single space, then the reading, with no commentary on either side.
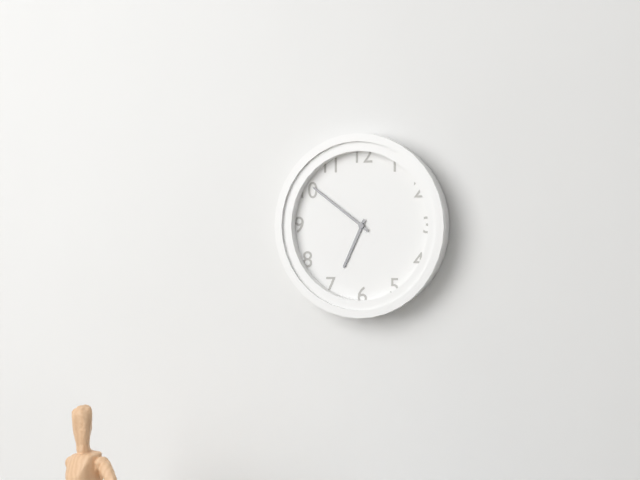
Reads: 6:51
